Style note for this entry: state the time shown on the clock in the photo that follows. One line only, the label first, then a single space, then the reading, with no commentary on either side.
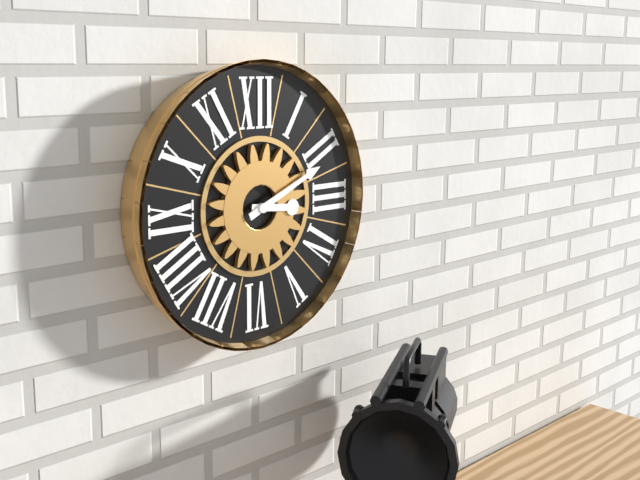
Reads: 3:11
